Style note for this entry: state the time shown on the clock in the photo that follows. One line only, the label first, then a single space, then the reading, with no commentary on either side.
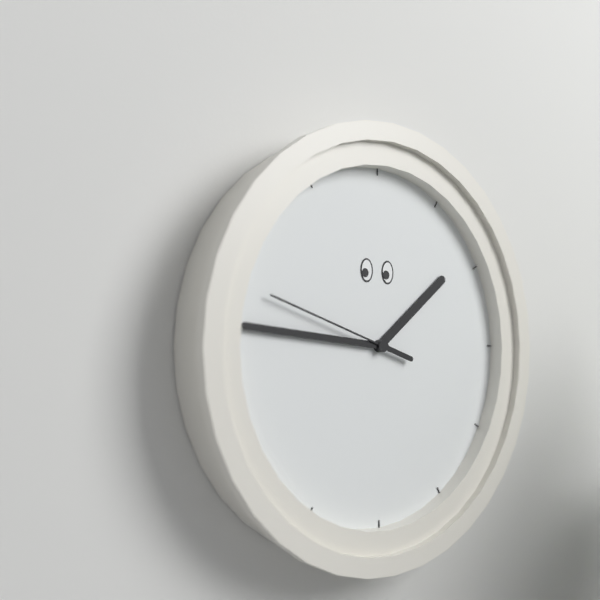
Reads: 1:46:48
